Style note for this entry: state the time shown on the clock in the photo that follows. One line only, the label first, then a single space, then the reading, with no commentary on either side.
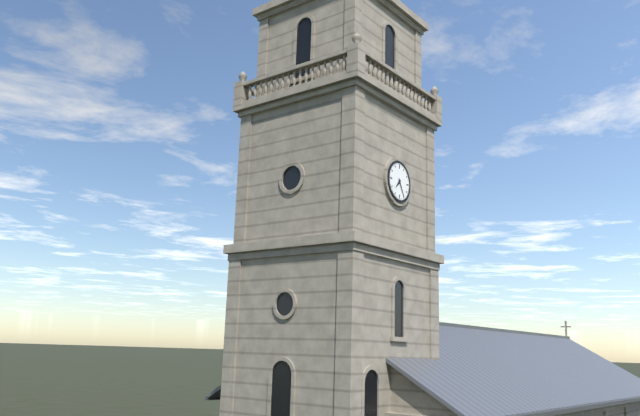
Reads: 7:25
